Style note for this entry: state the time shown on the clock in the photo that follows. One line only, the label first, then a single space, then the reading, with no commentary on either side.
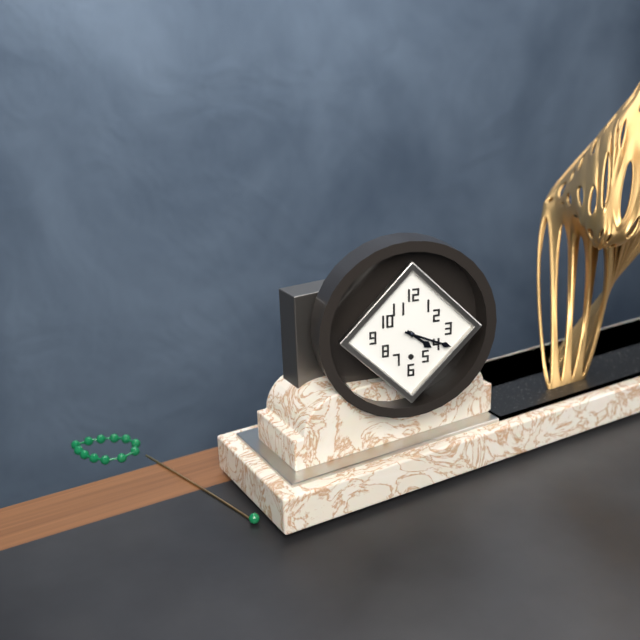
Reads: 4:19
